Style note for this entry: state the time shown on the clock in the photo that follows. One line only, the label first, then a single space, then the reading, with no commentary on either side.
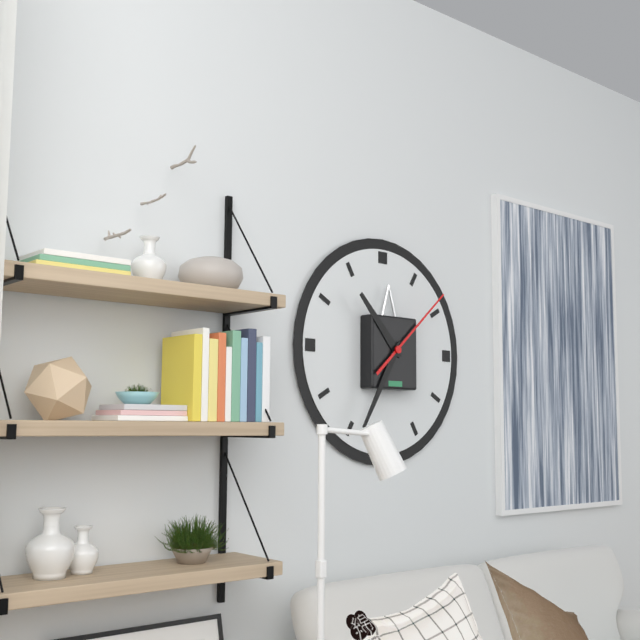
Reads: 10:35:08
